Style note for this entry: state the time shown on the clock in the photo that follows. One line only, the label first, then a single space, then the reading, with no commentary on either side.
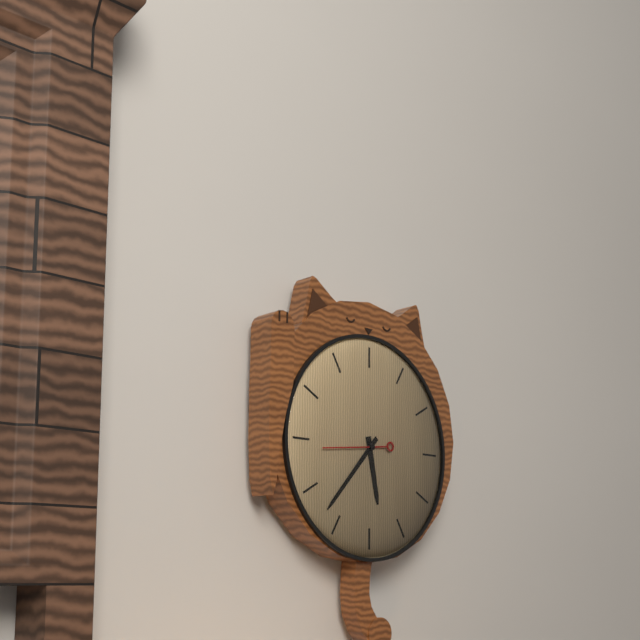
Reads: 5:37:44
